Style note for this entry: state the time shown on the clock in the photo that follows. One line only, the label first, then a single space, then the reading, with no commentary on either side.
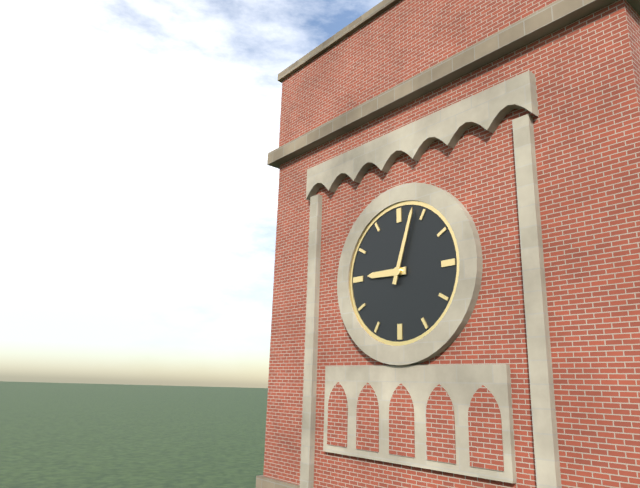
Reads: 9:03
